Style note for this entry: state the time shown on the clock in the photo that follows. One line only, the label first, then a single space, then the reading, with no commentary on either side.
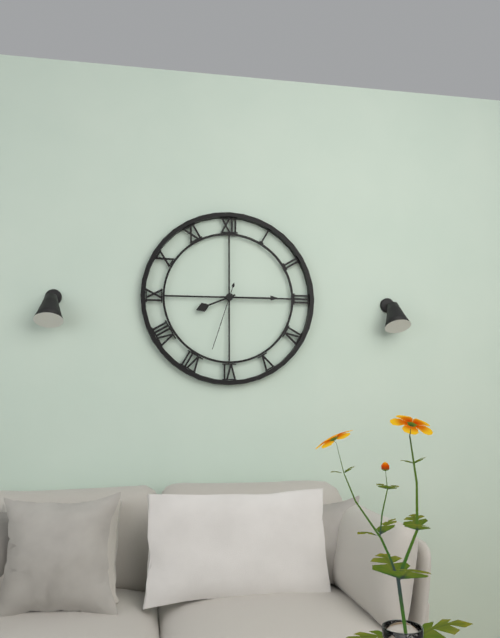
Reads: 8:15:33
